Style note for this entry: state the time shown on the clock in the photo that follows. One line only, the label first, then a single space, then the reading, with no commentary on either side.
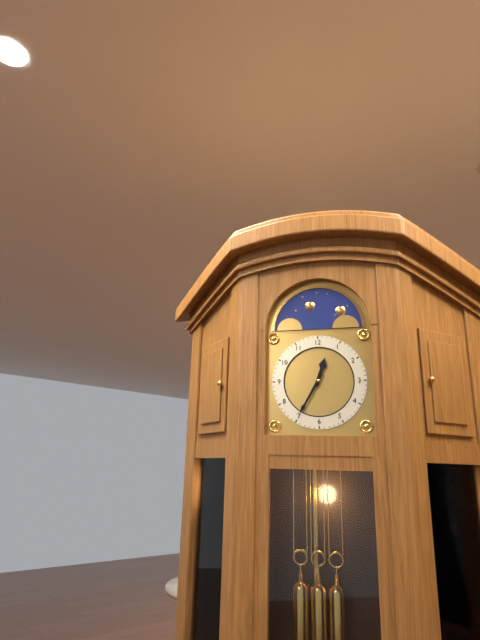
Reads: 12:35
